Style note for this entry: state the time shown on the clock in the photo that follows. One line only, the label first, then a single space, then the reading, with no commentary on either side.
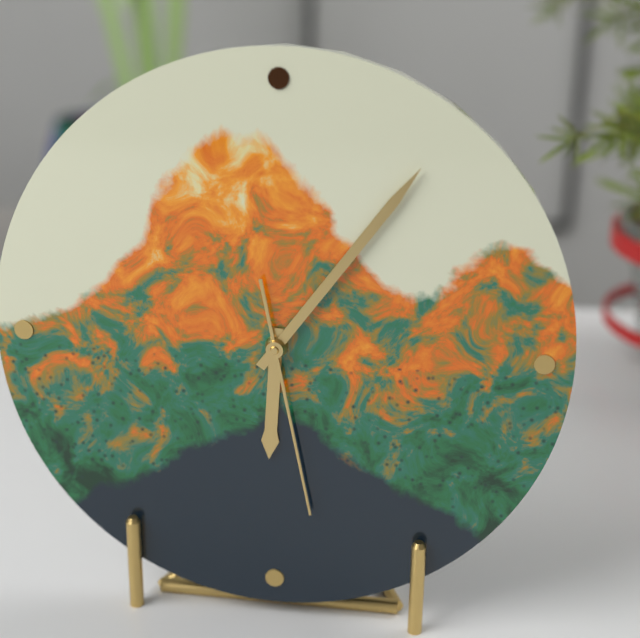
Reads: 6:06:28
